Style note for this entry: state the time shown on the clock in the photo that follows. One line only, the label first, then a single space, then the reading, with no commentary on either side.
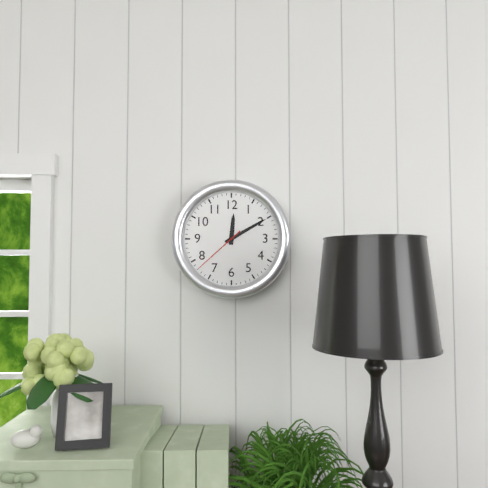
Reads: 12:10:38
